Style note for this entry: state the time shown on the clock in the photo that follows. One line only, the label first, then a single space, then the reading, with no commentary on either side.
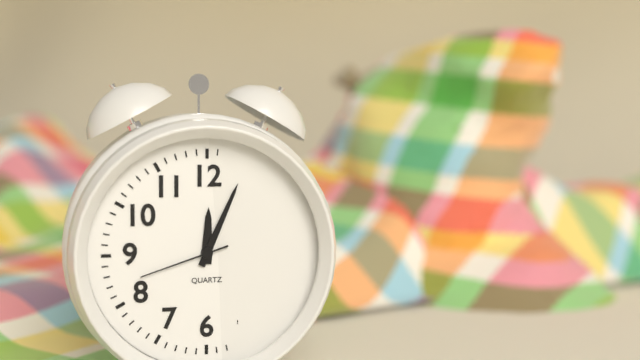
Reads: 12:04:42
